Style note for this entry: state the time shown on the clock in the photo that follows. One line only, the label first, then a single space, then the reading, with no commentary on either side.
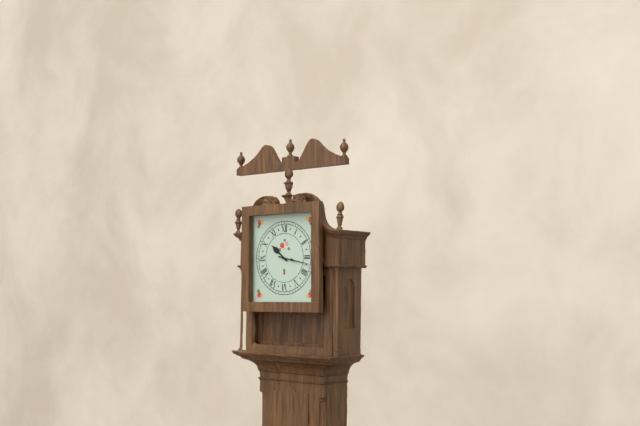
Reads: 10:17
